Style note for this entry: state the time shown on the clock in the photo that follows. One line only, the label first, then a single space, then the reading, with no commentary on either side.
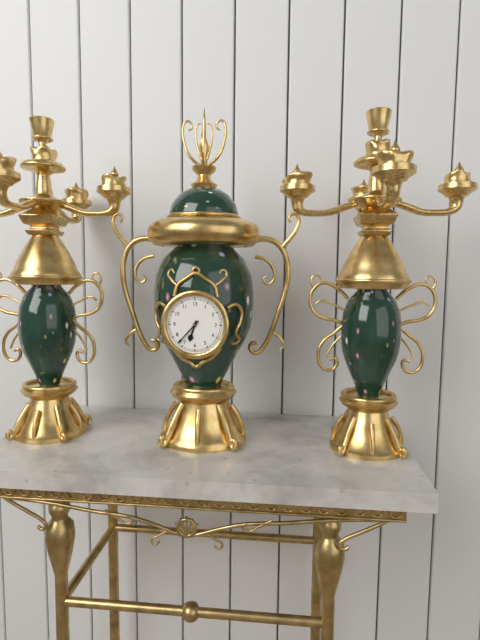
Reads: 6:37
